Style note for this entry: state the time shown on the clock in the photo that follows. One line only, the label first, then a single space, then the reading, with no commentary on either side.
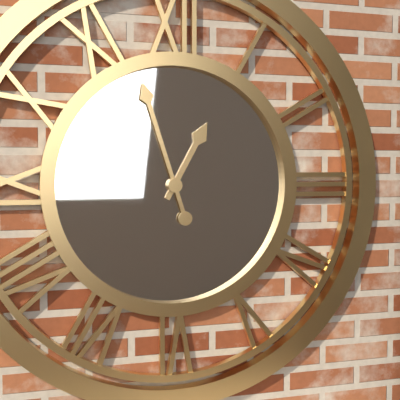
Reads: 12:57
